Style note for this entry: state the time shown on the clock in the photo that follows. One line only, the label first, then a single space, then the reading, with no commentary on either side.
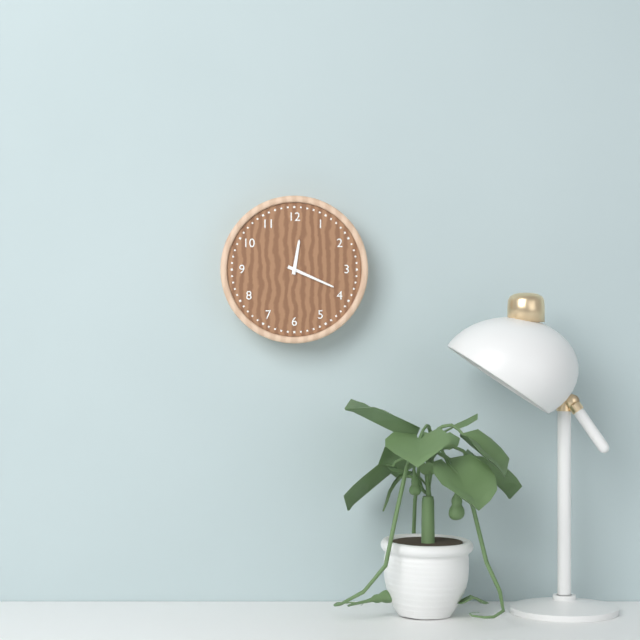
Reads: 12:19
